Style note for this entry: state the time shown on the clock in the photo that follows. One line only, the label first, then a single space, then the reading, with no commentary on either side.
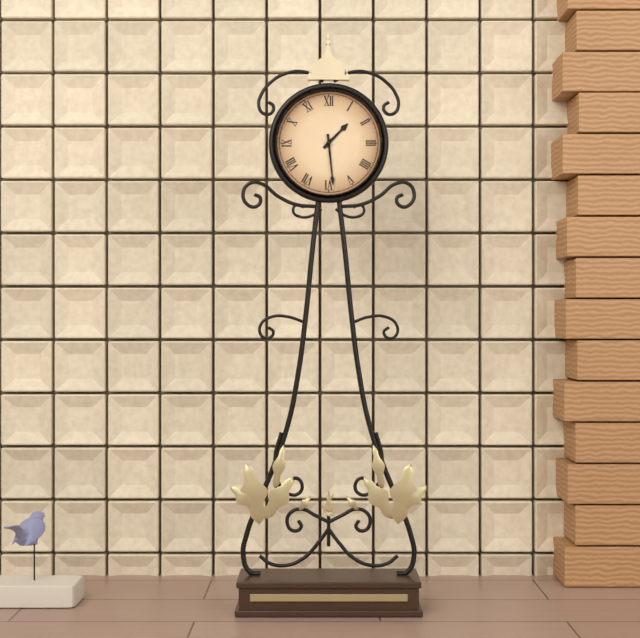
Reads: 1:29
